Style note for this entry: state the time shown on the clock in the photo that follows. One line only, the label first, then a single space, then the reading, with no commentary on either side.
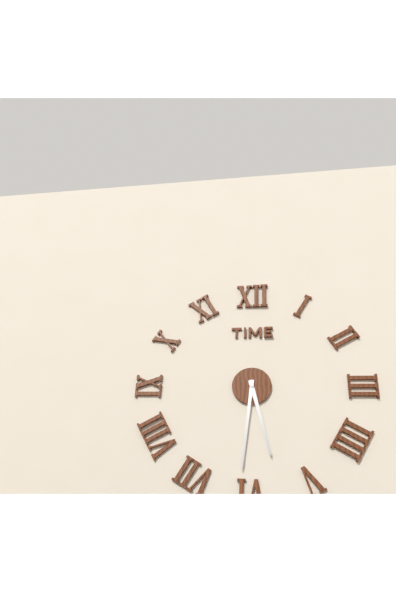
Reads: 5:31
